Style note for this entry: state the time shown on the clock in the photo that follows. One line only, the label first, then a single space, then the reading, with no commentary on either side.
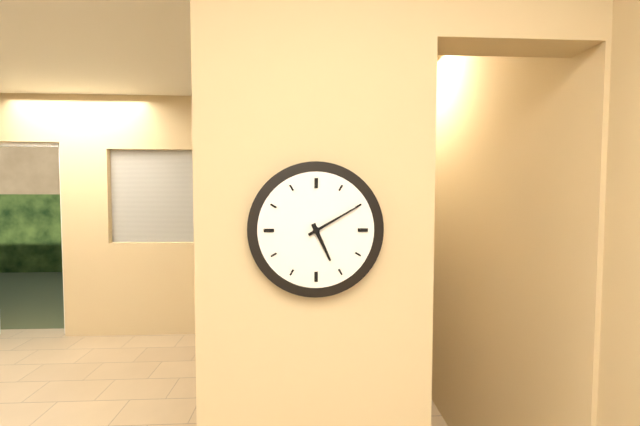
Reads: 5:10
